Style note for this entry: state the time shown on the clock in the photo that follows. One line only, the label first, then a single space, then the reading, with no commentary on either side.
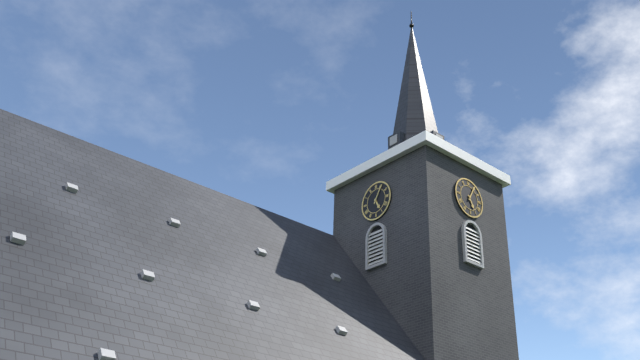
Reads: 5:05
